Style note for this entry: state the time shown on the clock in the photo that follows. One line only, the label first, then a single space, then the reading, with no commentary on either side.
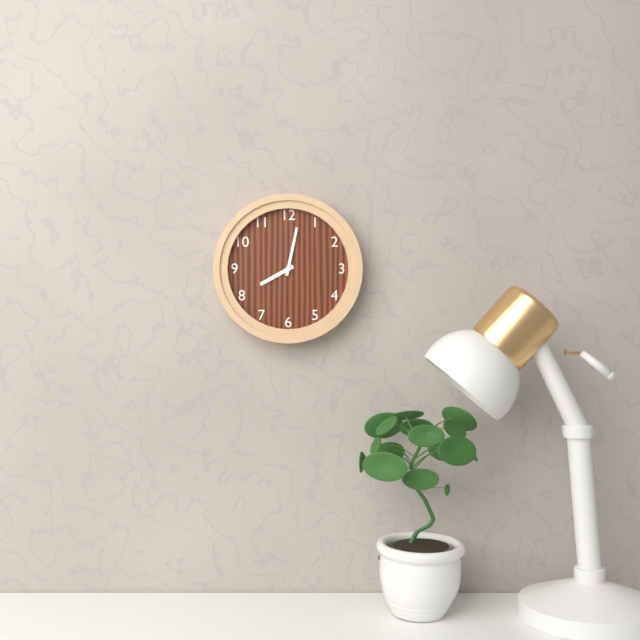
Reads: 8:02
